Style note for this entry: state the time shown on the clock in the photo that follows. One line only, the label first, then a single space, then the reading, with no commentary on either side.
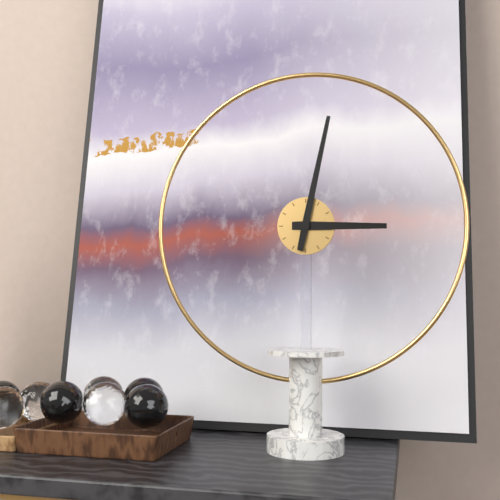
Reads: 3:02
